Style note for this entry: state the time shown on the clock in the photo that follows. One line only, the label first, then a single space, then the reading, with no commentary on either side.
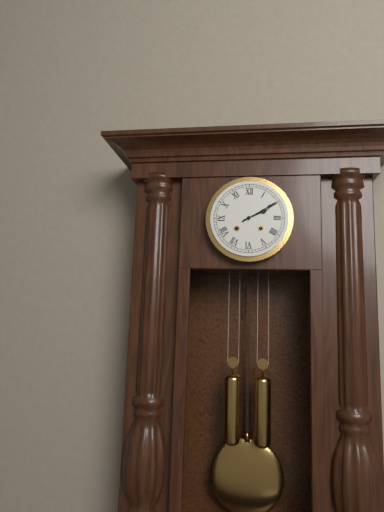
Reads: 2:10
